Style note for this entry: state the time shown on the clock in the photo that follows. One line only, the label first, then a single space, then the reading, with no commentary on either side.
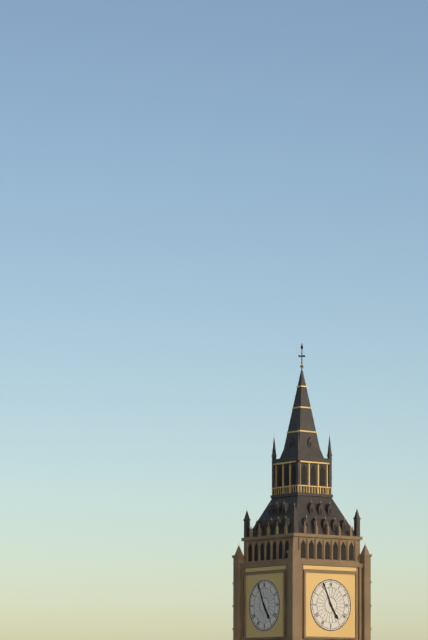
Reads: 4:56
